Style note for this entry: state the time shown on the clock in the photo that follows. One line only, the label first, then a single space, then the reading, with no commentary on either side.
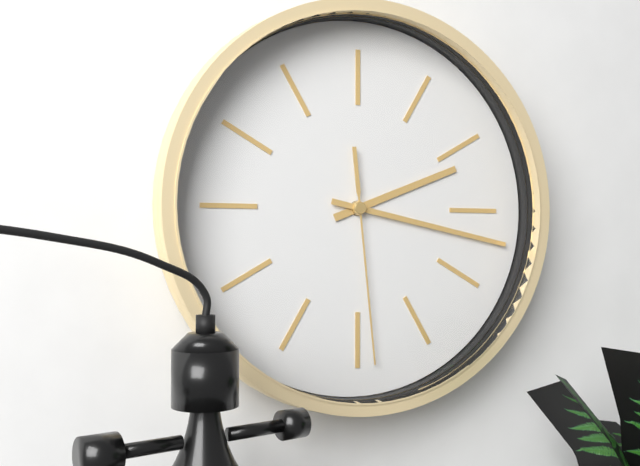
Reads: 2:17:29
